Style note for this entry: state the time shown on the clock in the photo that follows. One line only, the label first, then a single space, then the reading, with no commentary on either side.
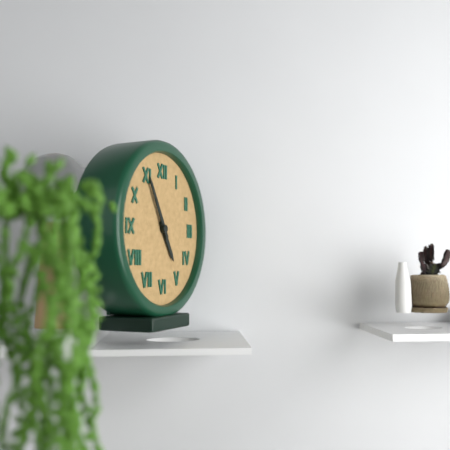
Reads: 4:55
